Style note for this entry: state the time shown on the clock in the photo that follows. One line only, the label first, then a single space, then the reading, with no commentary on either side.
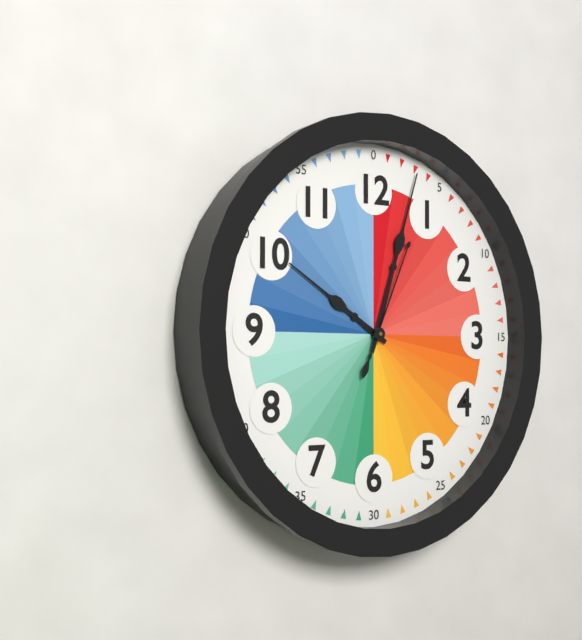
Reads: 10:03:04
